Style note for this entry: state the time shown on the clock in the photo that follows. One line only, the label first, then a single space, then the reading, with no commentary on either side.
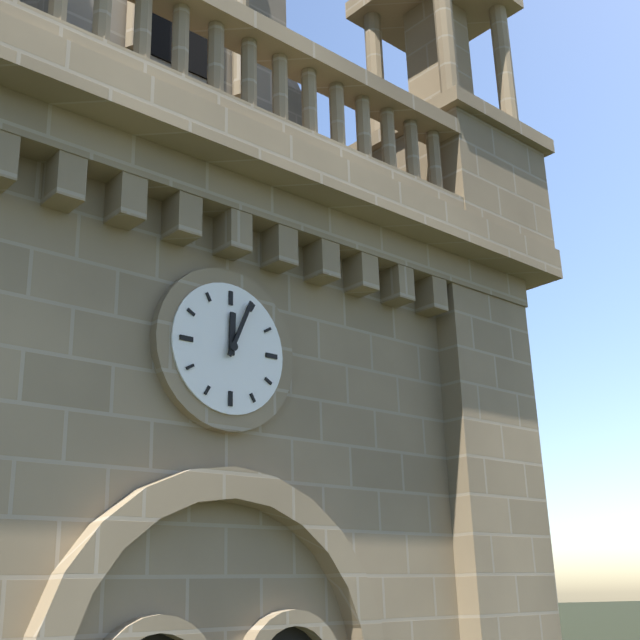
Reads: 12:04
